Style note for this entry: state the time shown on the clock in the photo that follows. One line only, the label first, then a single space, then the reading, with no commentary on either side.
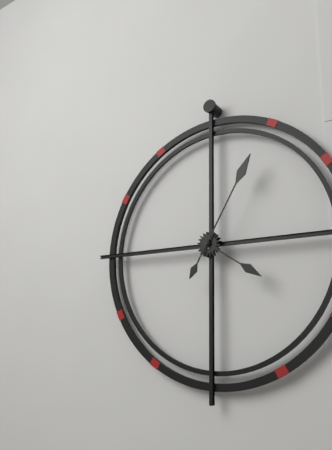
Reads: 4:05
